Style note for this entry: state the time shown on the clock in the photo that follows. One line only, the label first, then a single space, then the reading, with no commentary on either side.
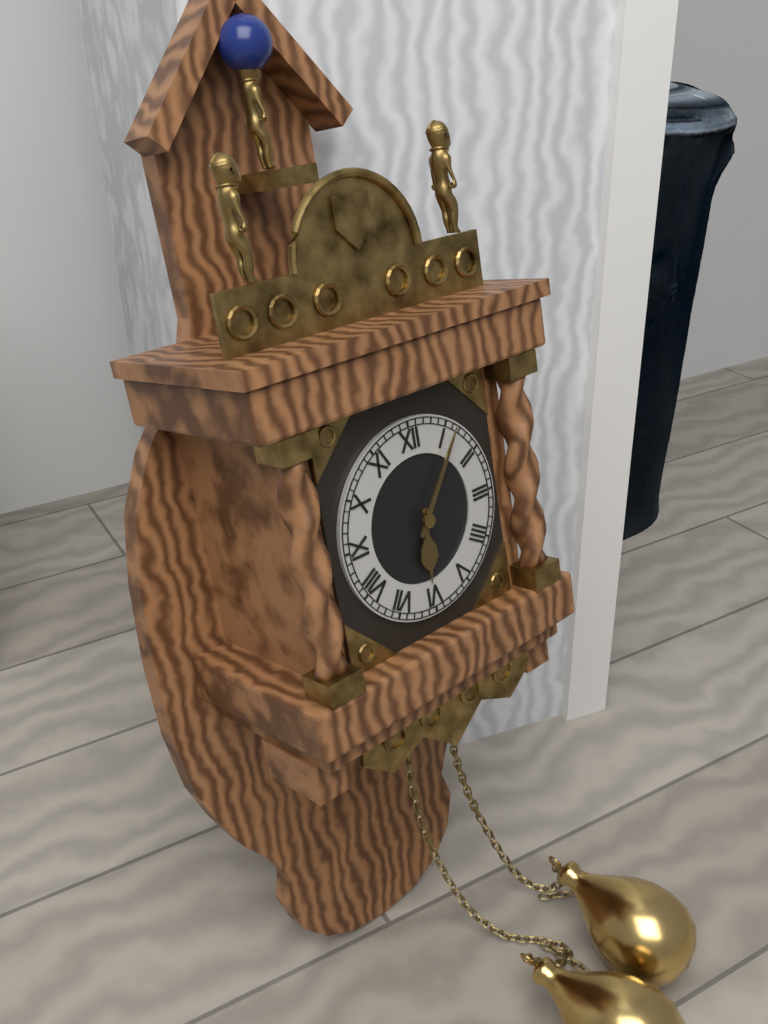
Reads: 6:06
